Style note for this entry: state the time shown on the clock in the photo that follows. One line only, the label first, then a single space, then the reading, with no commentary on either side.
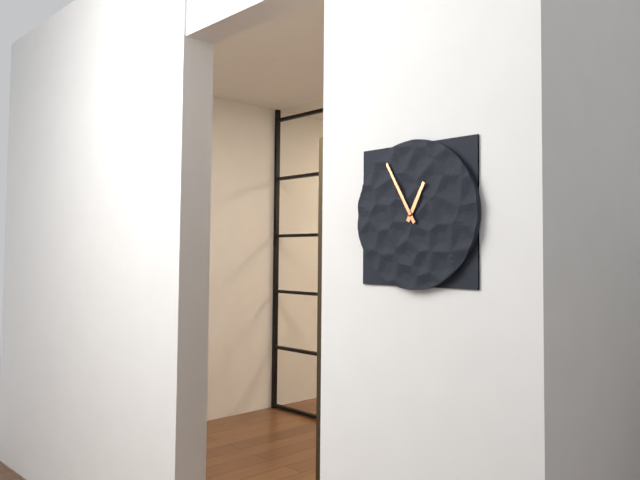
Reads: 12:55
